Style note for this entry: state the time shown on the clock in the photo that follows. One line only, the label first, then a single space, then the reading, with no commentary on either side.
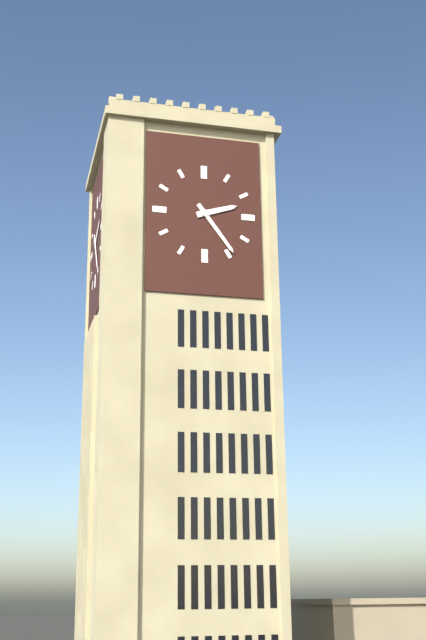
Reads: 2:24
